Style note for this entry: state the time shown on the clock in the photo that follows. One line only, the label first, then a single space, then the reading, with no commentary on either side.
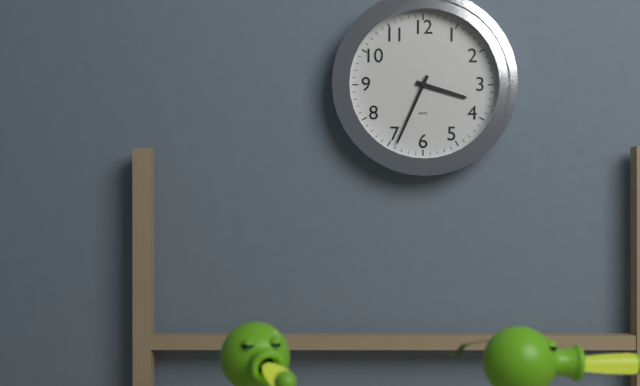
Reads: 3:34
